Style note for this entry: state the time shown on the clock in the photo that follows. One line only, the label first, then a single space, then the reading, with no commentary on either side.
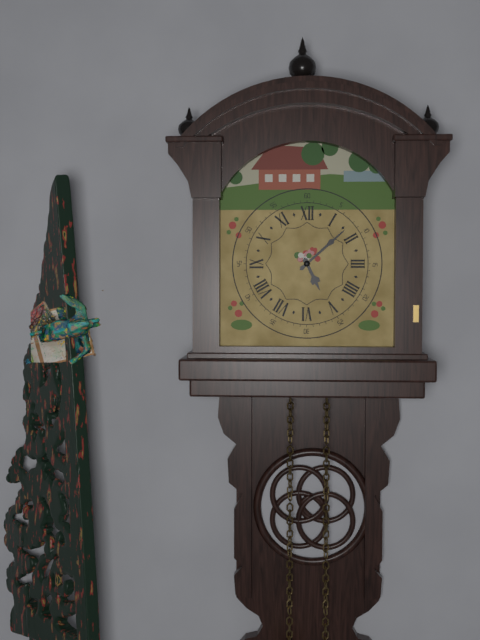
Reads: 5:08
